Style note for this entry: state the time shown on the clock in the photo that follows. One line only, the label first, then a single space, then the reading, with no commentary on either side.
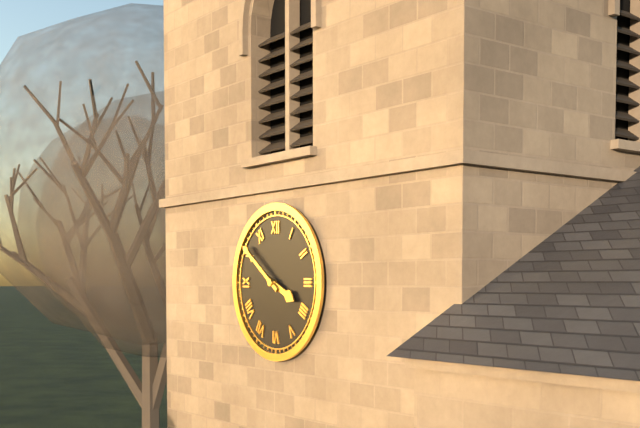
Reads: 3:51
